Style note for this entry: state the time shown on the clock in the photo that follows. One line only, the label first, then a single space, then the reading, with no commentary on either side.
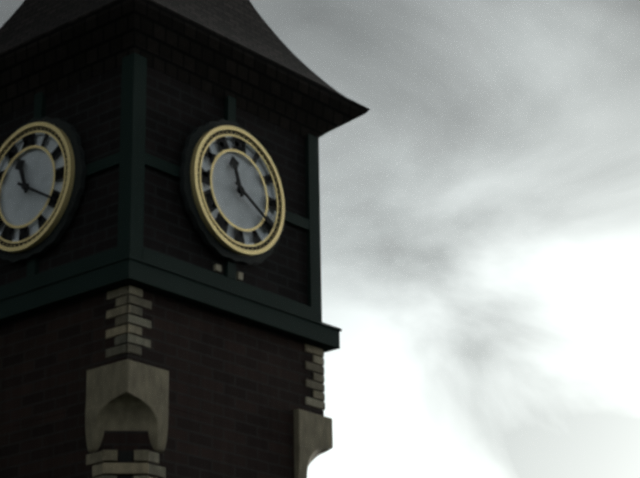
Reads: 11:20
